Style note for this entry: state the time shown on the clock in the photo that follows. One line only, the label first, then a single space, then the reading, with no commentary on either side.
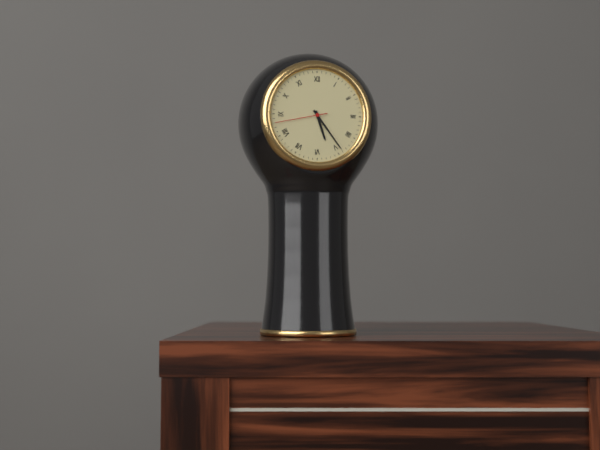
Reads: 5:24:43
